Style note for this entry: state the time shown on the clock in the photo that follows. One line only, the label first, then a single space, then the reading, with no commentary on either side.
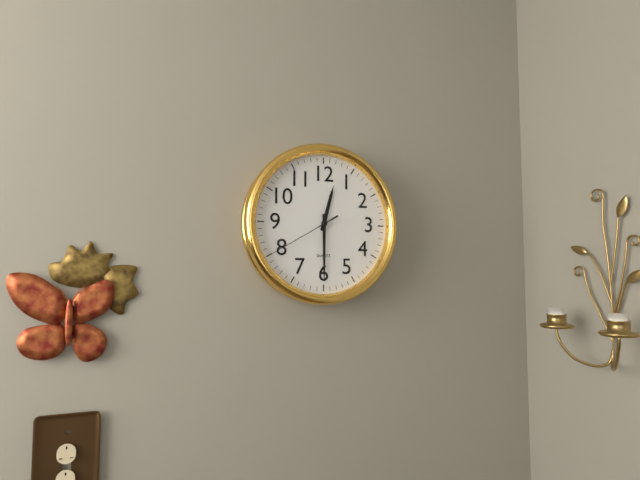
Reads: 12:30:40
